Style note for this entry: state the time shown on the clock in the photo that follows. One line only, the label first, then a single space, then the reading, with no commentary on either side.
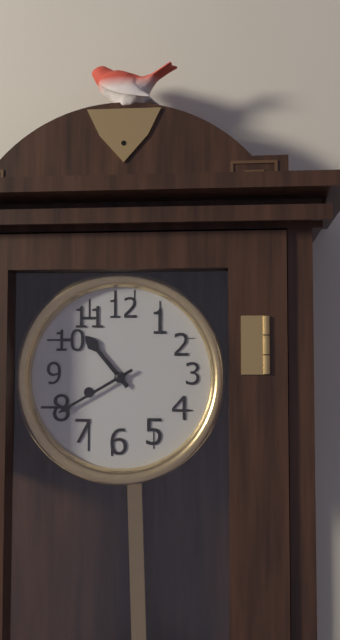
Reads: 10:40
